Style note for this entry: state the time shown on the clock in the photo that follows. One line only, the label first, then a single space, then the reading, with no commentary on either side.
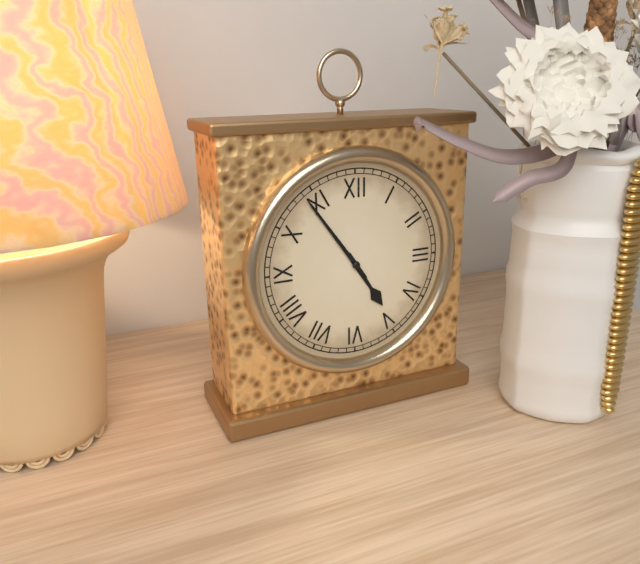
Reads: 4:54
